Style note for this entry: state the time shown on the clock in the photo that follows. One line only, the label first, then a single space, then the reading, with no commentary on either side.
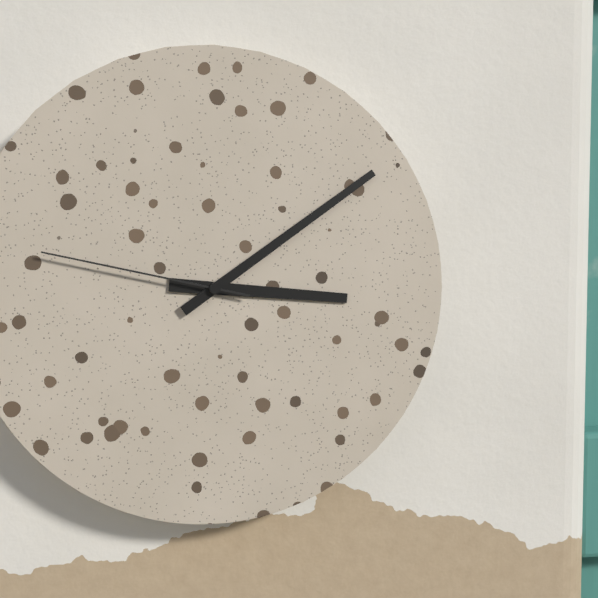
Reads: 3:09:47
